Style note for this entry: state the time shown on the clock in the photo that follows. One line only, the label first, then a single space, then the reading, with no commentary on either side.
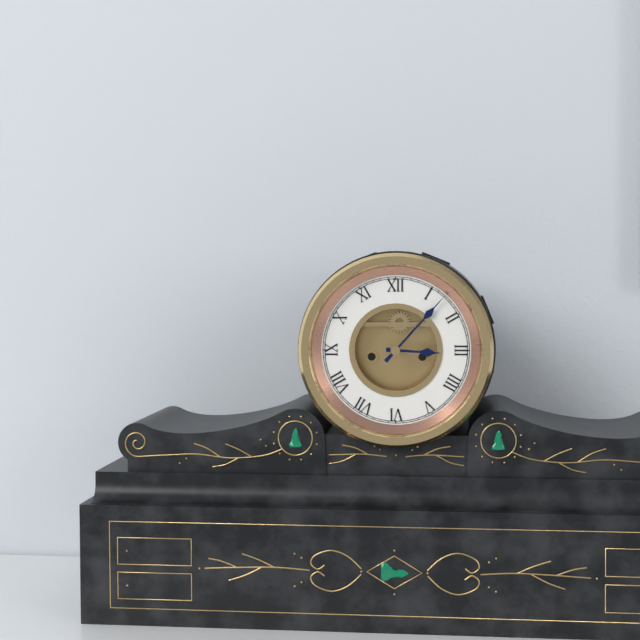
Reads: 3:07
